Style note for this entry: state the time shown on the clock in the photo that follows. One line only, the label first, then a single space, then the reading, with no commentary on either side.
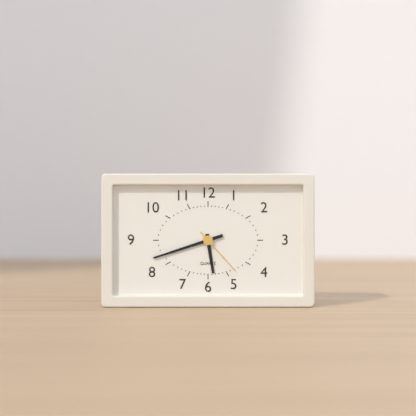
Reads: 5:42:23
